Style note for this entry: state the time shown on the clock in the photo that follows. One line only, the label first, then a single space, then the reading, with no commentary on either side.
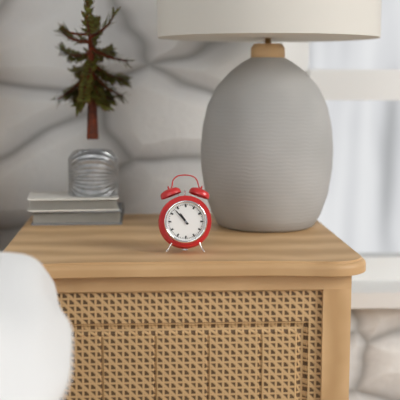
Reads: 10:53
